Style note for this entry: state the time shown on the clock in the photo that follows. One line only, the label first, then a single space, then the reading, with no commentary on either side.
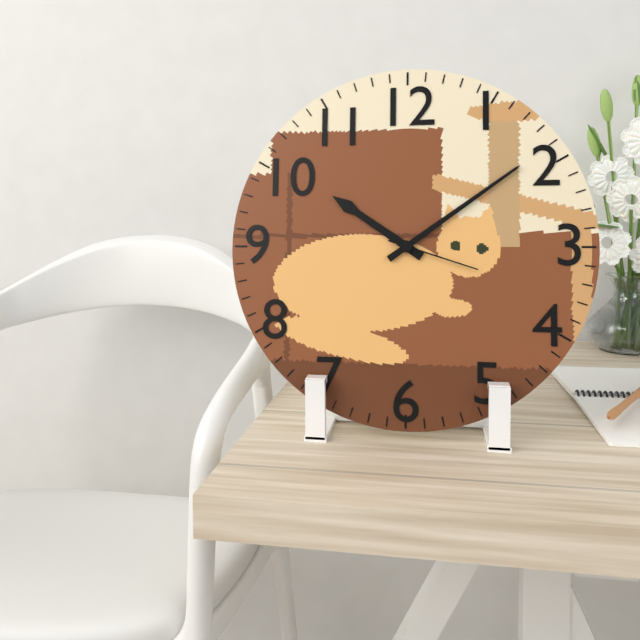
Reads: 10:09:18
